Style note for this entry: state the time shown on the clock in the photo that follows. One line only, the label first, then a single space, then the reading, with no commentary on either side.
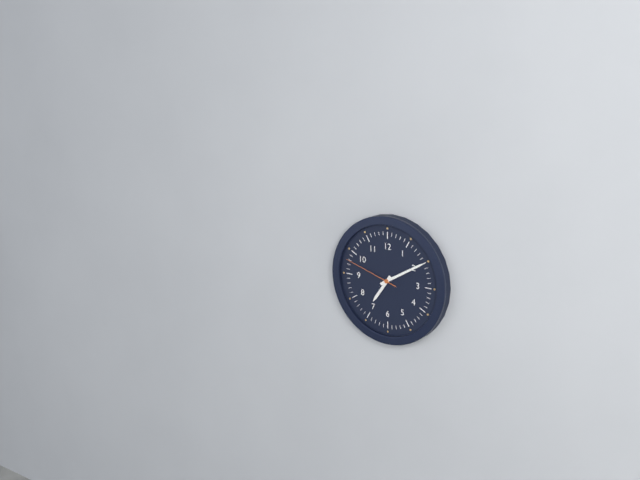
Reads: 7:10:48
